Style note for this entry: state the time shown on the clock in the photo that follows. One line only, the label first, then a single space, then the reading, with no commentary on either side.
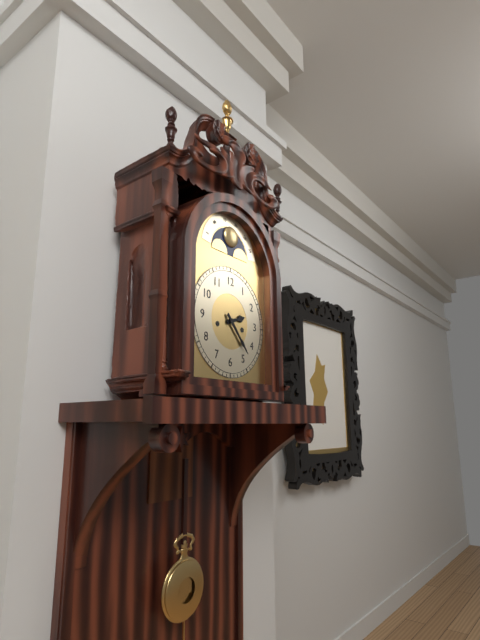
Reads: 2:23
